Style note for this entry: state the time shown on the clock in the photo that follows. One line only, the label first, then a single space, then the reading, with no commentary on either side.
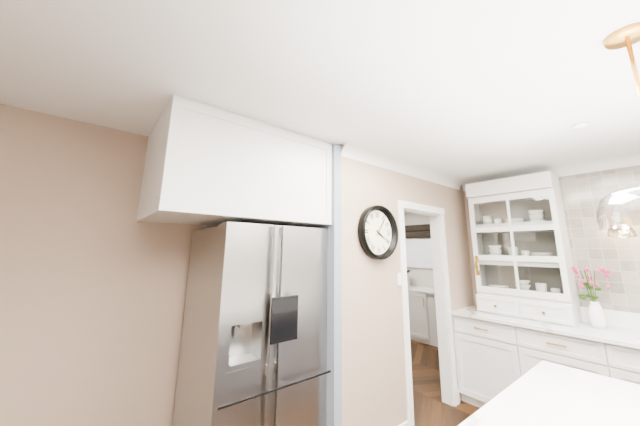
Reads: 4:06
